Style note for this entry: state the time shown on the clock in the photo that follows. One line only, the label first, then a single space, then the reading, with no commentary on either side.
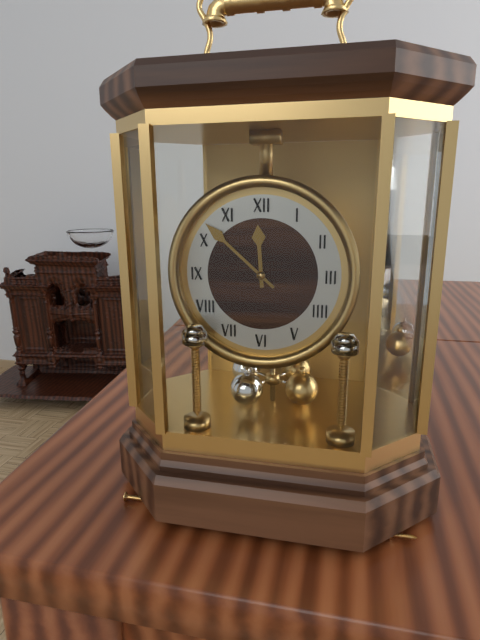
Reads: 11:52
